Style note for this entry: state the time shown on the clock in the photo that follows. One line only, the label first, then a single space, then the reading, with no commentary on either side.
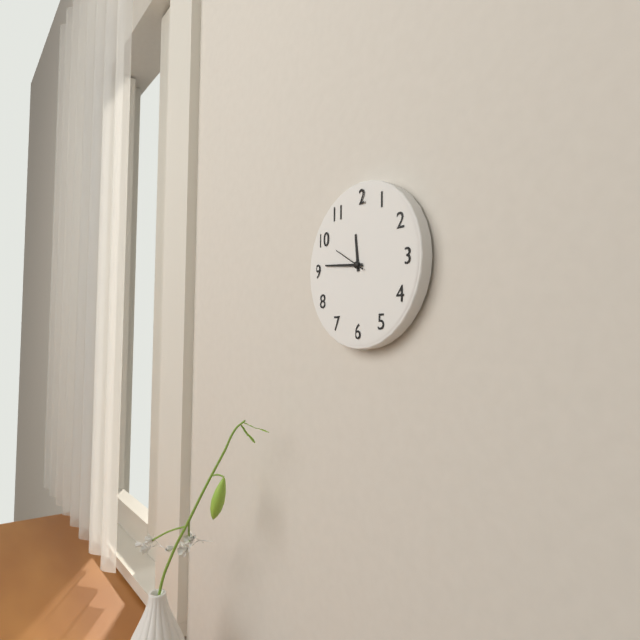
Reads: 11:46
